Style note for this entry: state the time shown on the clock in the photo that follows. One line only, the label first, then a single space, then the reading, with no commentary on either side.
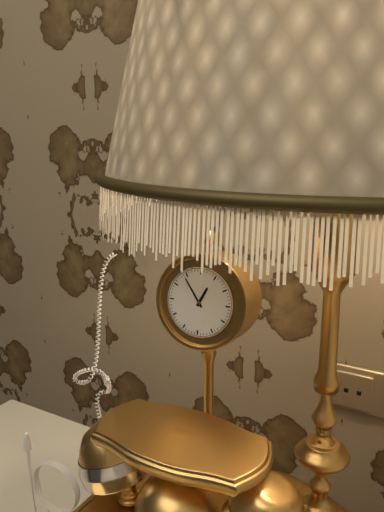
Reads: 12:54
